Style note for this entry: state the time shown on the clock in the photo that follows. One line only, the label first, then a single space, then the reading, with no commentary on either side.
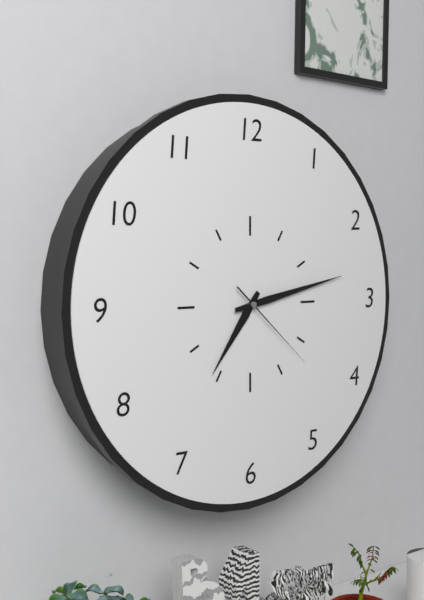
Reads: 7:13:22
